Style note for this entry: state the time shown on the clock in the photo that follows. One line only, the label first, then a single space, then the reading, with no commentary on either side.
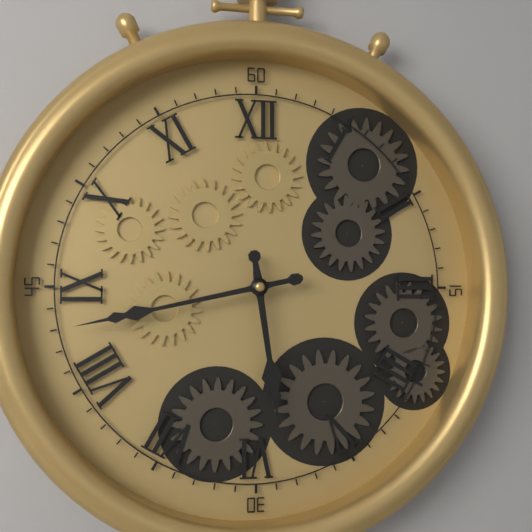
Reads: 5:43
